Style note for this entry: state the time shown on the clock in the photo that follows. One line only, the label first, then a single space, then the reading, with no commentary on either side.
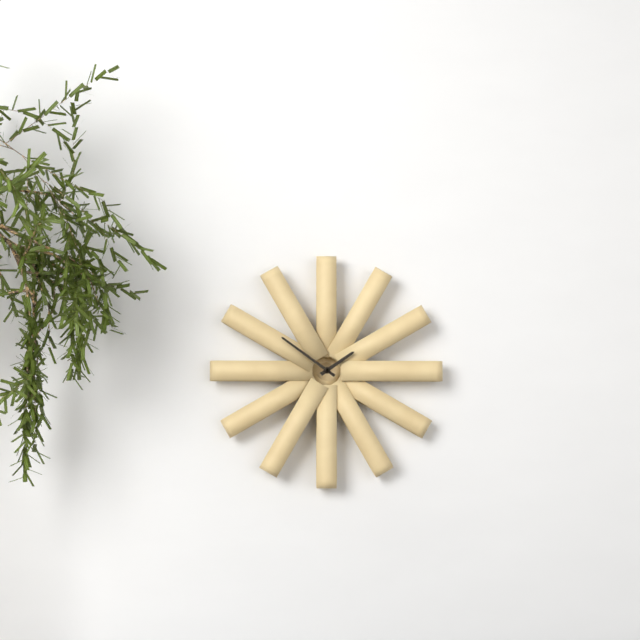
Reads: 1:51
